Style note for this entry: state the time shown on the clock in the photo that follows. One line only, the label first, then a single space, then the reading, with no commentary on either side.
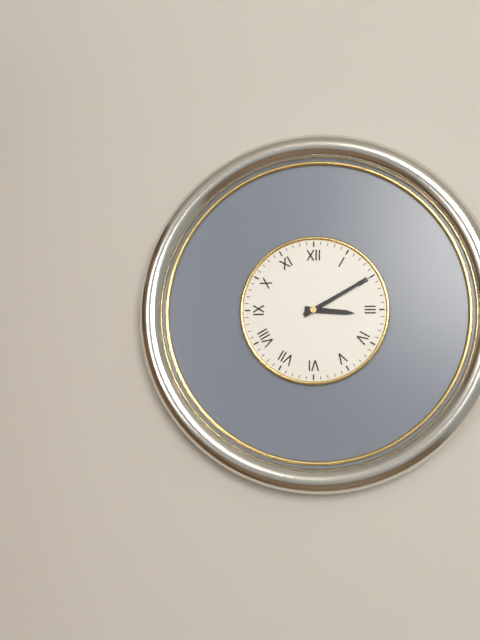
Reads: 3:10
